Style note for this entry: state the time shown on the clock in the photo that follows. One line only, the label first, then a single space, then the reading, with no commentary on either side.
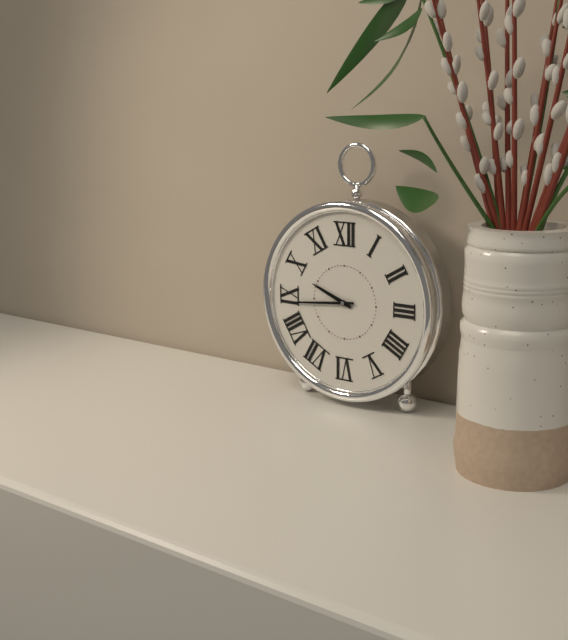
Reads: 9:44
